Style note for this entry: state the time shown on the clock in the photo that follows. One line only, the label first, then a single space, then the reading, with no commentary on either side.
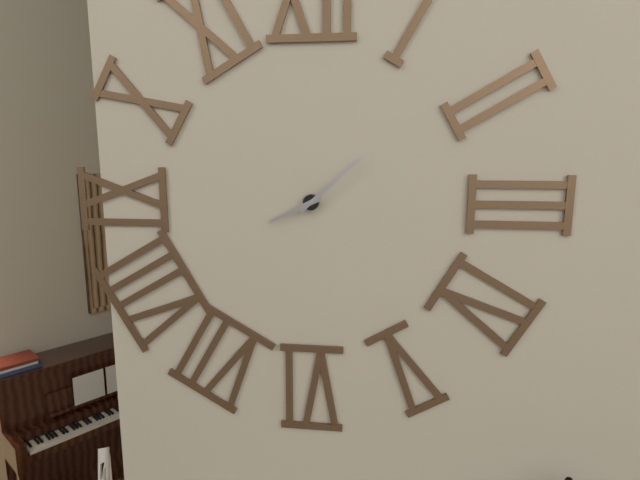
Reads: 8:08
